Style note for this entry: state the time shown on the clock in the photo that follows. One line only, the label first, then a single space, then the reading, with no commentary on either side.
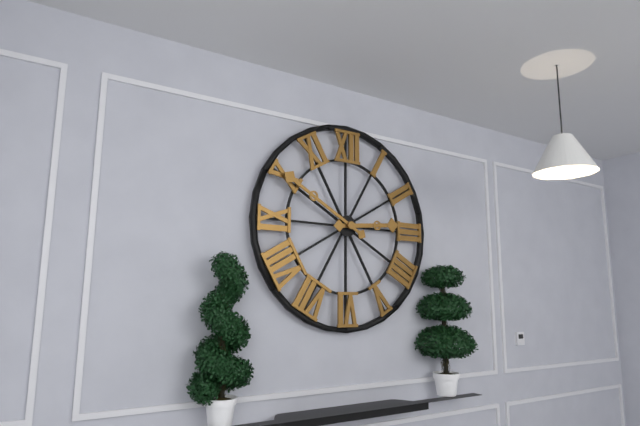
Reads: 2:50
